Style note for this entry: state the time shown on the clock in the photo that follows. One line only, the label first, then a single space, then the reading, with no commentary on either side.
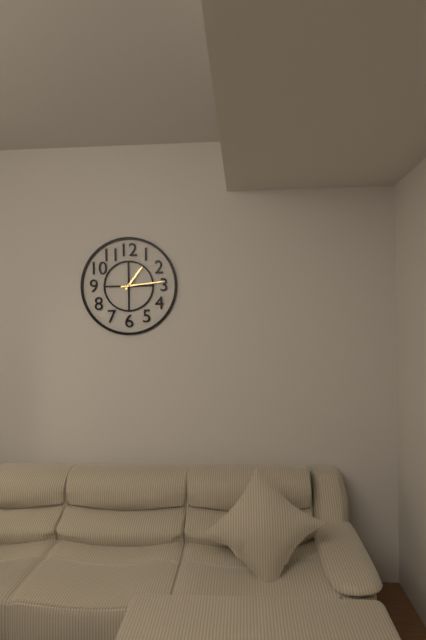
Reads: 1:14
